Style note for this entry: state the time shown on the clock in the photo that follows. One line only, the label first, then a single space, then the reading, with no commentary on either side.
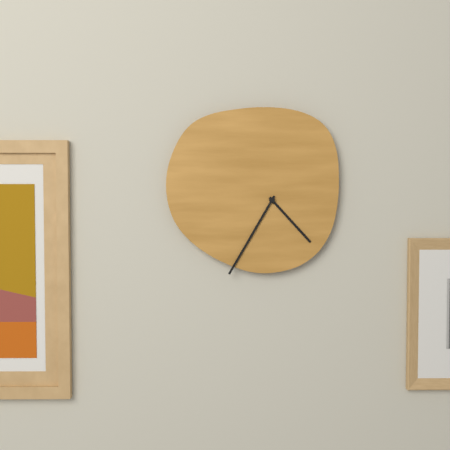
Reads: 4:35
